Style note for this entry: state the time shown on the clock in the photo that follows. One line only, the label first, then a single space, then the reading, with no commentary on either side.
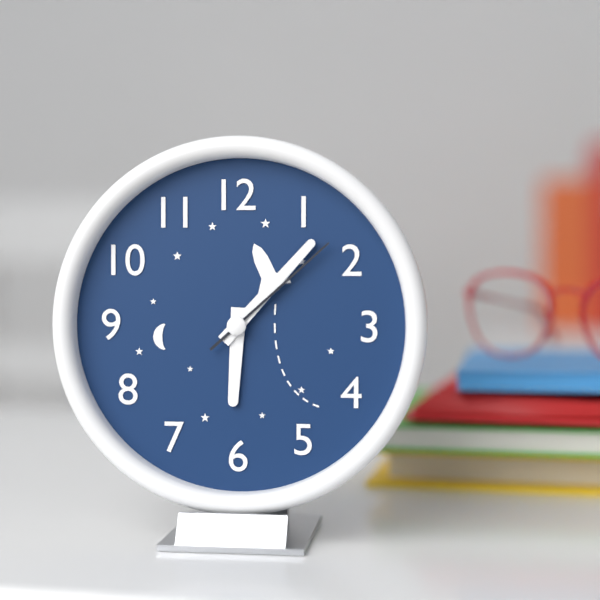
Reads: 6:07:08
